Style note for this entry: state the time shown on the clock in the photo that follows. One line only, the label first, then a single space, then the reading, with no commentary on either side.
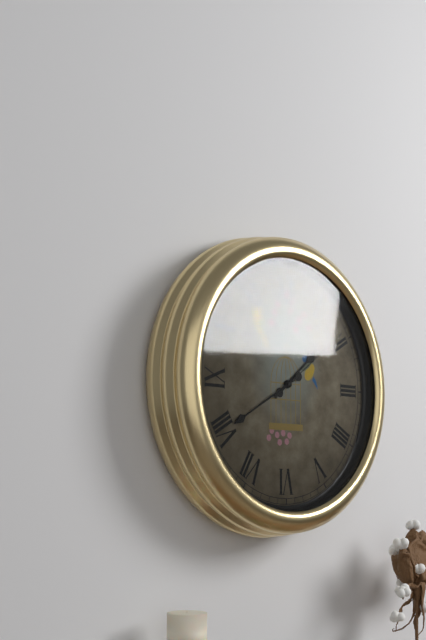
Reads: 1:40:09
